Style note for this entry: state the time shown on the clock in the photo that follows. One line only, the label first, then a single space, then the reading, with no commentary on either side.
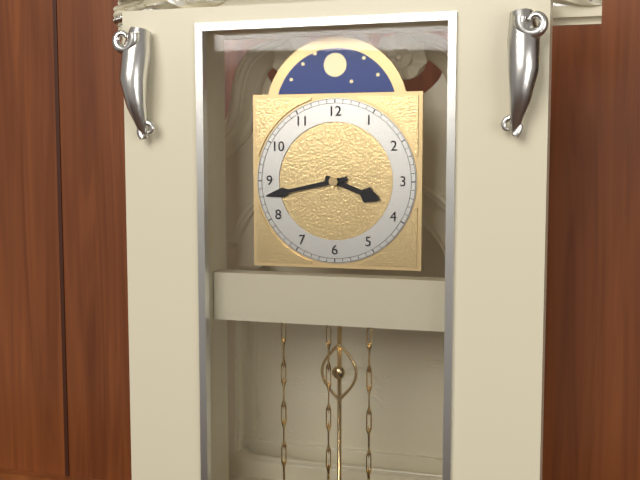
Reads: 3:43
